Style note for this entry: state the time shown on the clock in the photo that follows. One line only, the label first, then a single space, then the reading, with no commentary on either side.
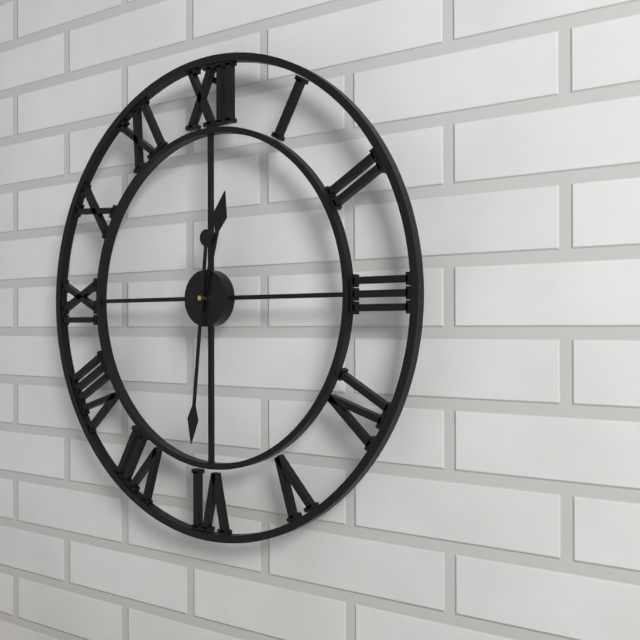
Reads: 12:31
